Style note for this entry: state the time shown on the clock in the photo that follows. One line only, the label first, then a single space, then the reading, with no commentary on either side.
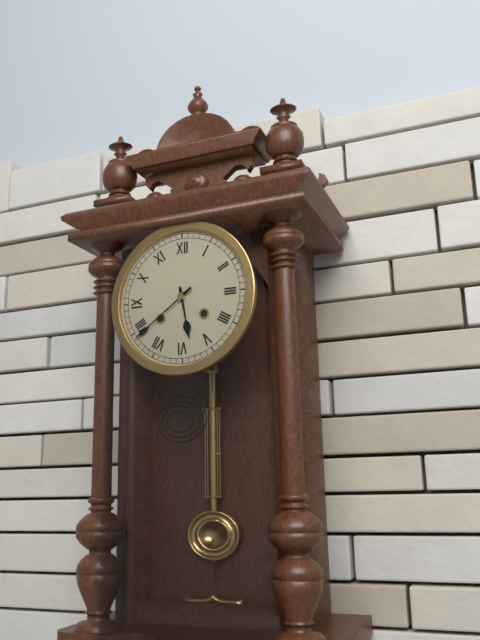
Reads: 5:39
